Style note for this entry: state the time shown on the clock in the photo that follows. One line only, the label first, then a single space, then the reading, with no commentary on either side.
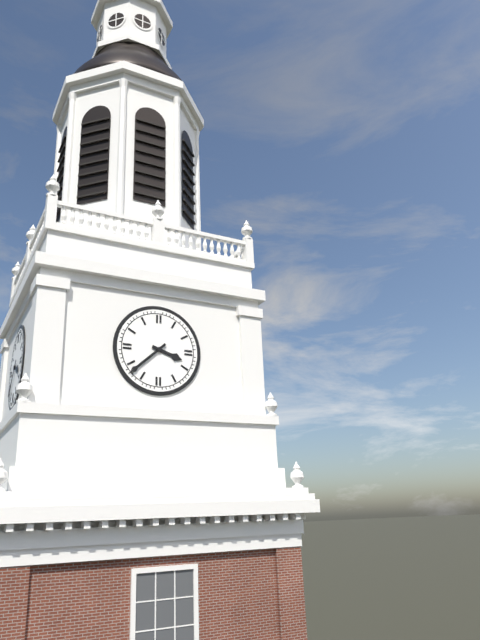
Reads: 3:38
